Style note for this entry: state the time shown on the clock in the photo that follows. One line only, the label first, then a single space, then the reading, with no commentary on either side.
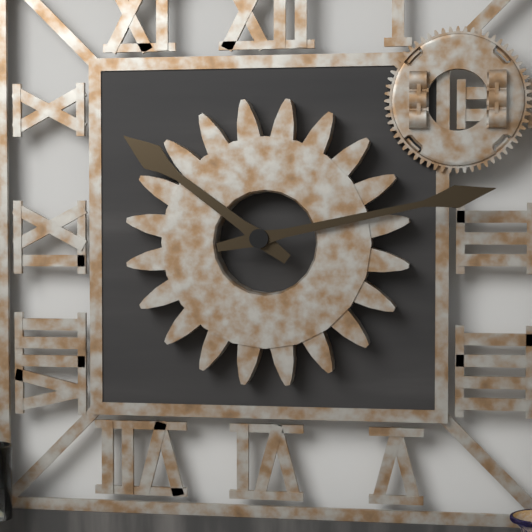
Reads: 10:13
